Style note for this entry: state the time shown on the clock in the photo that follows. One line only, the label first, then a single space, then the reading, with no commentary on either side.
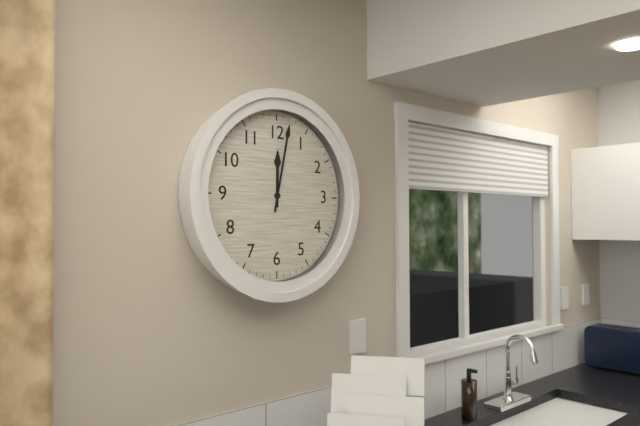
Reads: 12:02
